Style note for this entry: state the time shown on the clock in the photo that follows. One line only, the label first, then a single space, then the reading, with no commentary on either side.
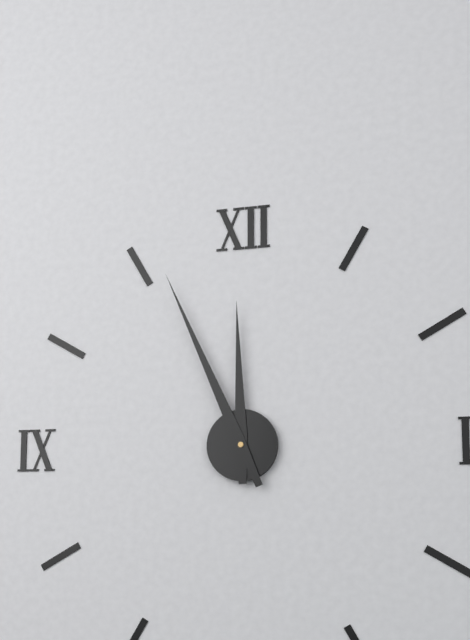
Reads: 11:56
